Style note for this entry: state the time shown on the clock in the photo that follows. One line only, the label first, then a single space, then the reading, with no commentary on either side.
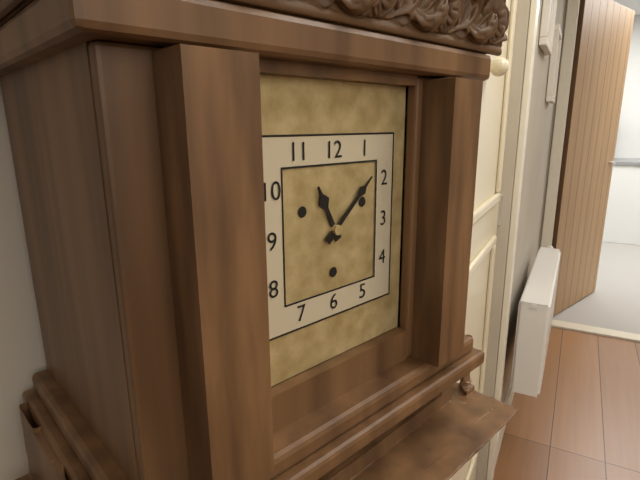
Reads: 11:08
